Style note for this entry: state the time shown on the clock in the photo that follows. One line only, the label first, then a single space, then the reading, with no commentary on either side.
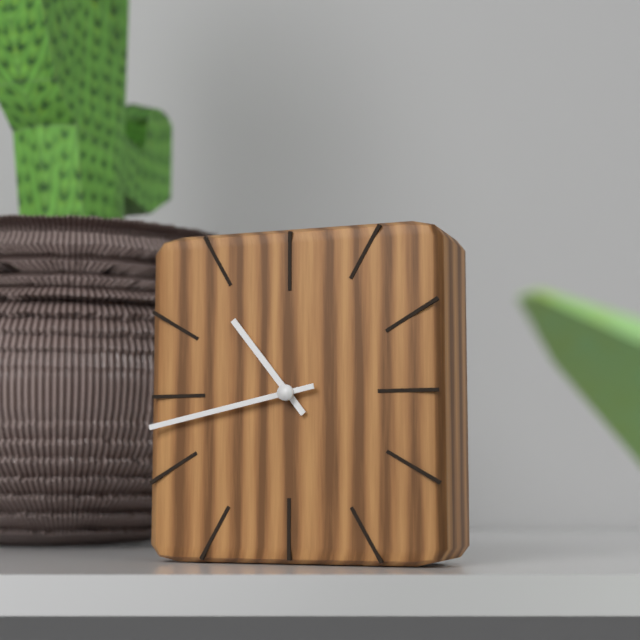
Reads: 10:43
